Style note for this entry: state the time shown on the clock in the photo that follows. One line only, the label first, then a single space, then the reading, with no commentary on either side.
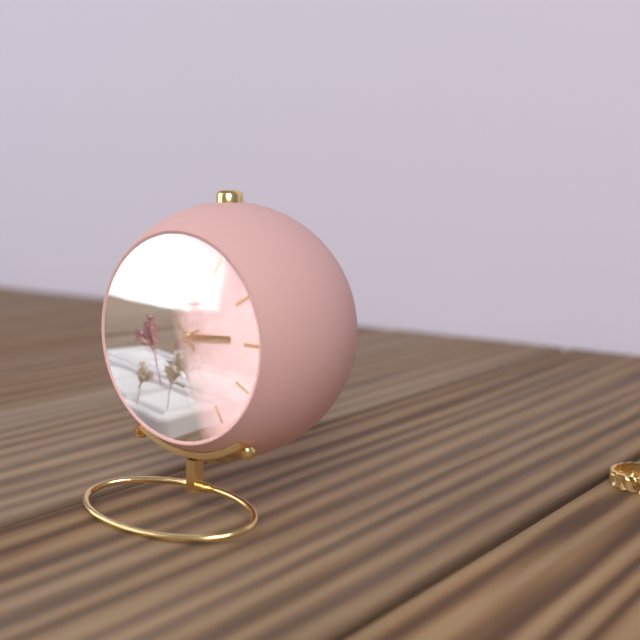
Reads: 2:52:41
